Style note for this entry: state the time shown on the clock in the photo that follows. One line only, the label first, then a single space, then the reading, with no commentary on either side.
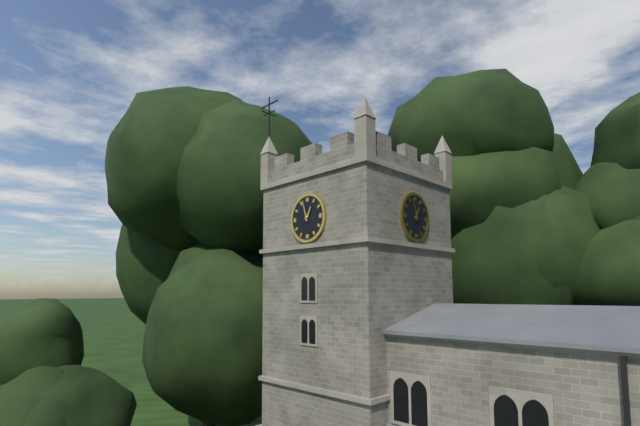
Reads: 12:57
